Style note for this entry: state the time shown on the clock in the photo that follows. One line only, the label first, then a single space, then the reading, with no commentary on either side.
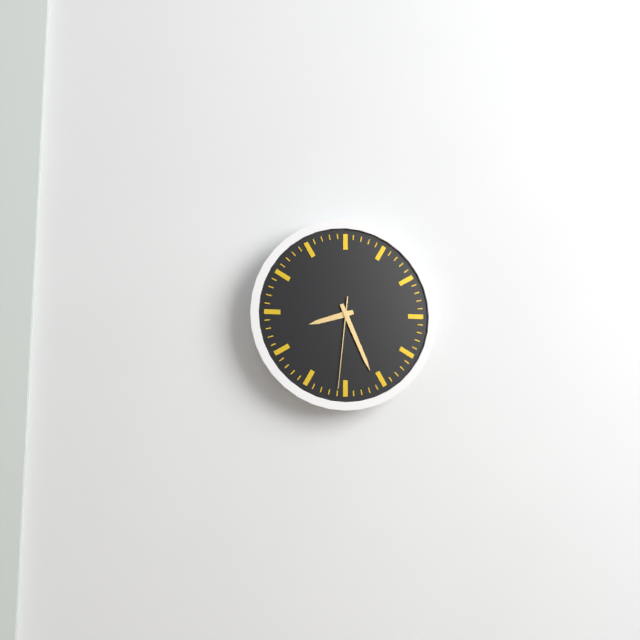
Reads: 8:26:31
